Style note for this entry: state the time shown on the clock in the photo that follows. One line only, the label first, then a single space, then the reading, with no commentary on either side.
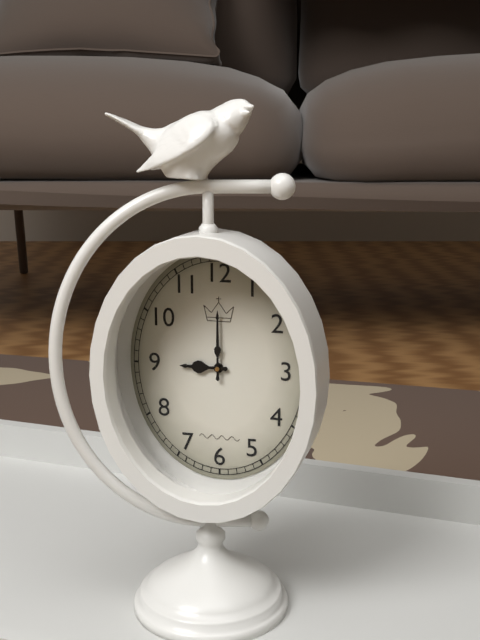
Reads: 9:00
